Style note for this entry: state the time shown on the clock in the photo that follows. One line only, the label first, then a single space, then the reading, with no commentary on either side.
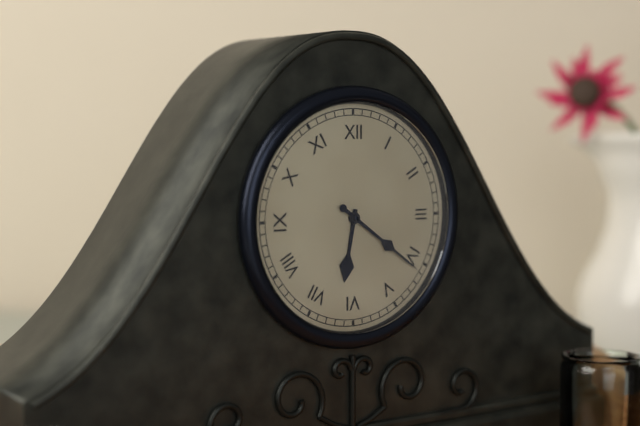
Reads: 6:21
